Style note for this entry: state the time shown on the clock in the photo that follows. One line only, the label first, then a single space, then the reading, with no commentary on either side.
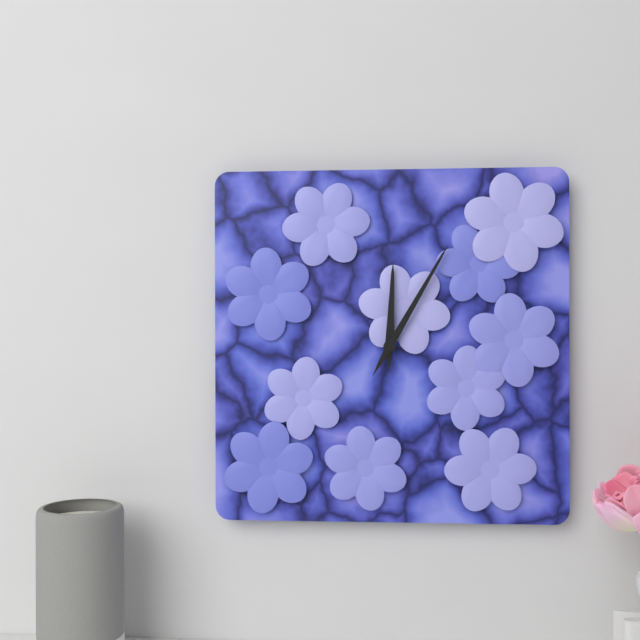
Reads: 12:05
